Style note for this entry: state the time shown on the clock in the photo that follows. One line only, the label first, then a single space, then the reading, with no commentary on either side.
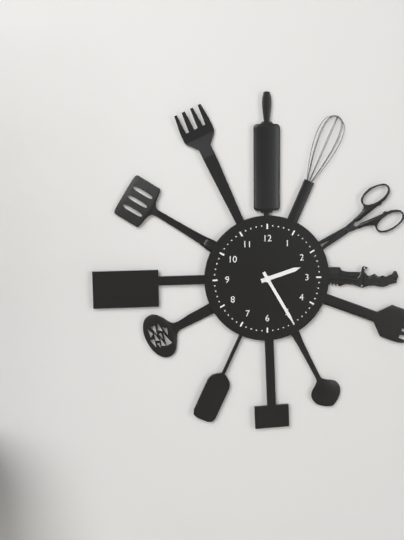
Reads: 2:25
